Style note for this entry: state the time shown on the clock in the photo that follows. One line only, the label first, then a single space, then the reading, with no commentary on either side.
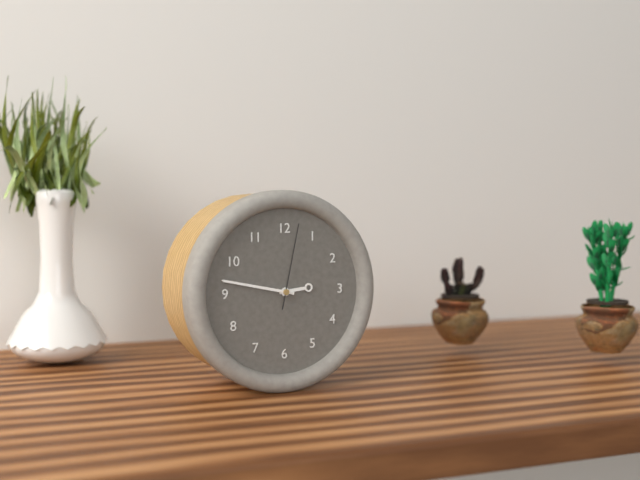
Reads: 2:47:02
